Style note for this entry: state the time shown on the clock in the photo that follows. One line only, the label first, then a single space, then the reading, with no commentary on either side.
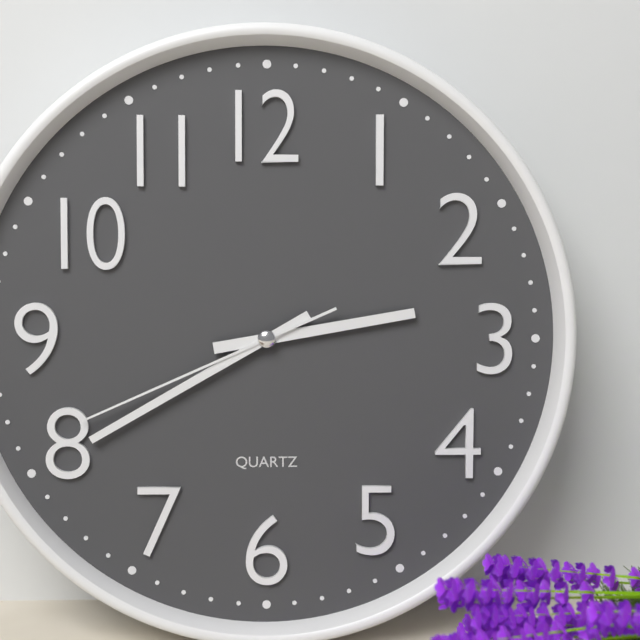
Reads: 2:40:41
